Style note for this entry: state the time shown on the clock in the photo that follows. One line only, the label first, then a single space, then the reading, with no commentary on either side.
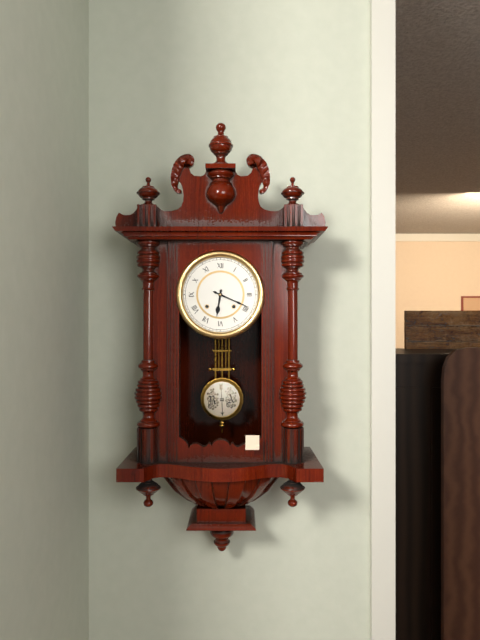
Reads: 6:19
